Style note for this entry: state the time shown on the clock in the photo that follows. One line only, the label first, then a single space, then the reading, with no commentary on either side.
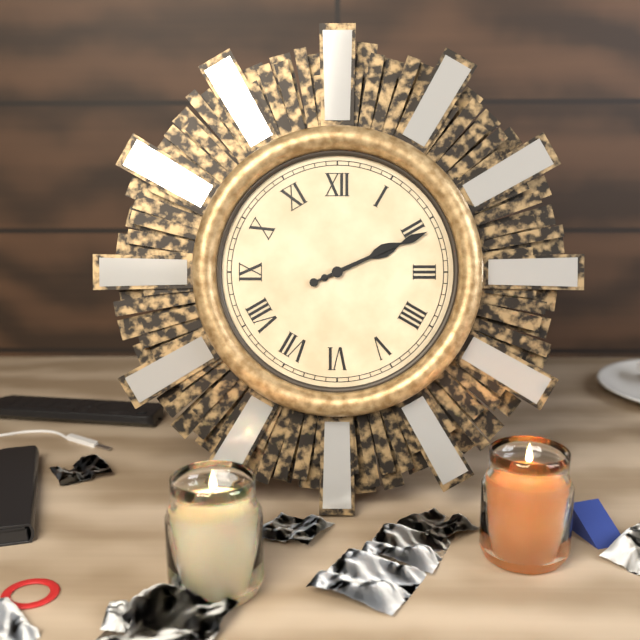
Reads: 2:11
